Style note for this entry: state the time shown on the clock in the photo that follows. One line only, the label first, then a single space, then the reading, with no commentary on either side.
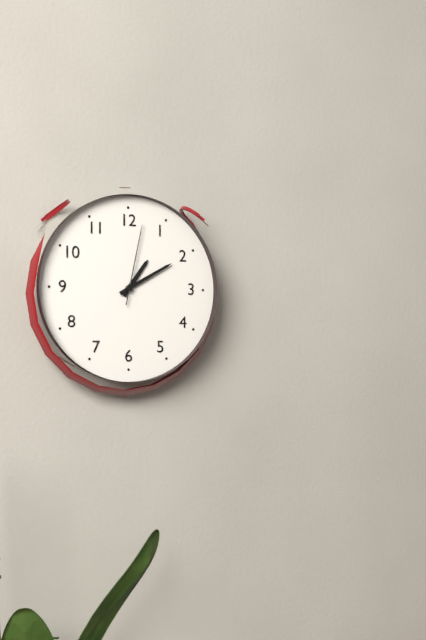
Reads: 1:10:02
